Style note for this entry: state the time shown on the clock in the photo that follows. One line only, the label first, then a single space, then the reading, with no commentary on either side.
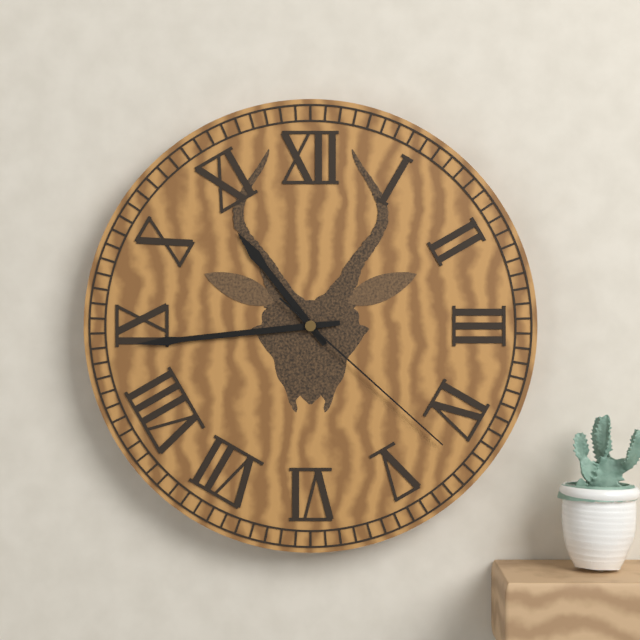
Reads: 10:44:22
